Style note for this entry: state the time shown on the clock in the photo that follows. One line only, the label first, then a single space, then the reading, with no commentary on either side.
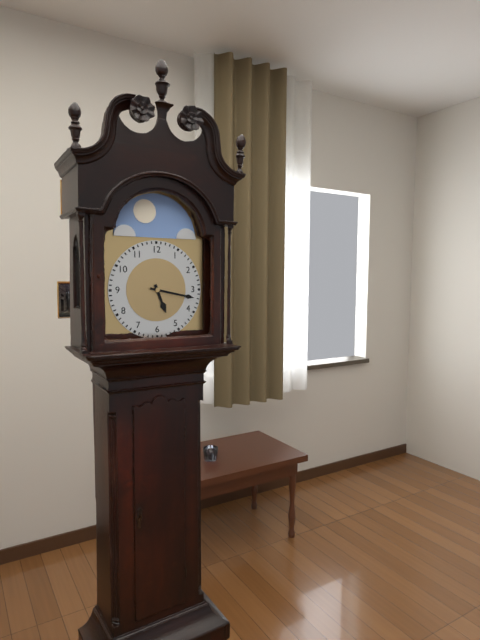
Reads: 5:17
